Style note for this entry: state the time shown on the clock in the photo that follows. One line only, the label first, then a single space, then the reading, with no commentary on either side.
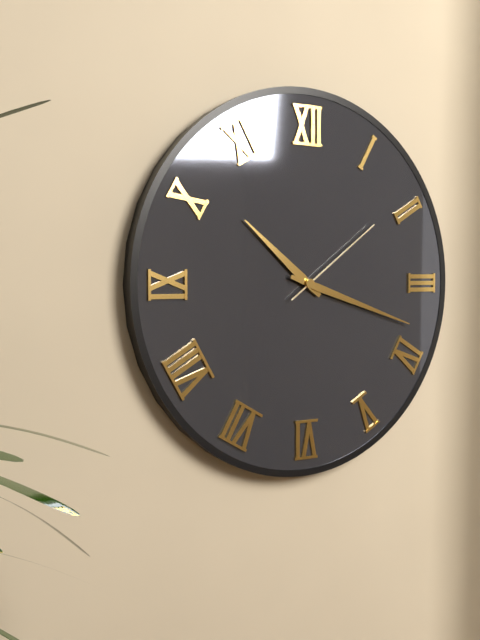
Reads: 10:18:09
